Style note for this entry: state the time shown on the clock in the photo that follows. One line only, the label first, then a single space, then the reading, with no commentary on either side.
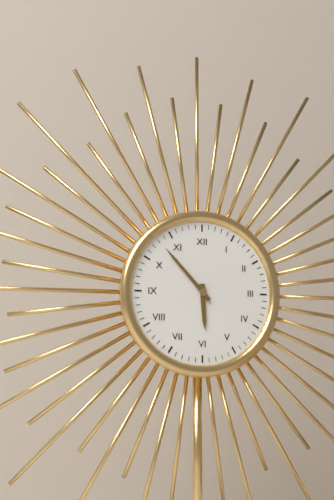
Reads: 5:53
